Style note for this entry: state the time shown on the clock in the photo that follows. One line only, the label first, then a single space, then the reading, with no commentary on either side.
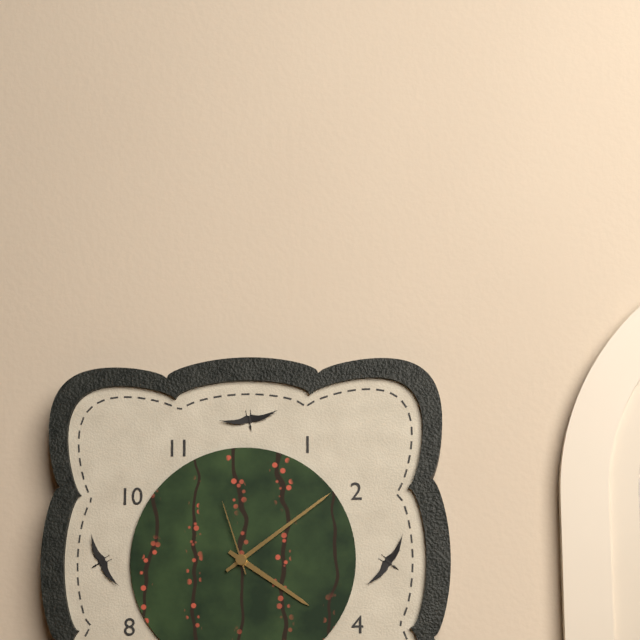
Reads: 4:09:57
